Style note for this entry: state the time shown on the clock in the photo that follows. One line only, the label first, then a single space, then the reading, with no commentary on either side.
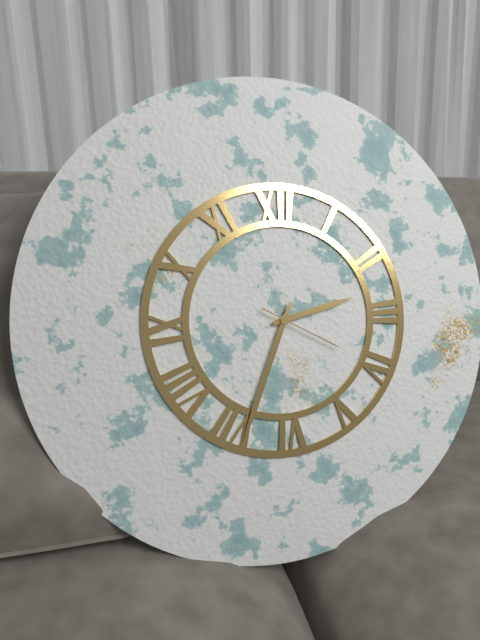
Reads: 2:34:20
